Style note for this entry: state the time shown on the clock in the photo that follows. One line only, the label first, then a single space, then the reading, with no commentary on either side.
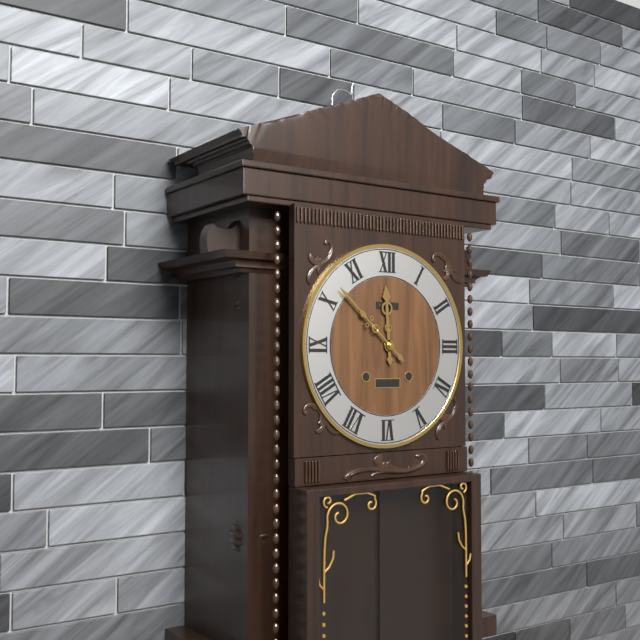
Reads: 11:52
